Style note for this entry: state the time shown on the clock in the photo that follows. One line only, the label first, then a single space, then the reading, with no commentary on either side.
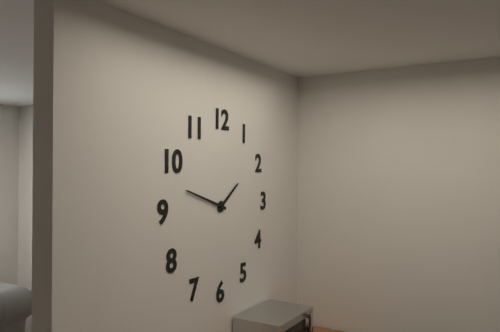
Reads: 1:48
